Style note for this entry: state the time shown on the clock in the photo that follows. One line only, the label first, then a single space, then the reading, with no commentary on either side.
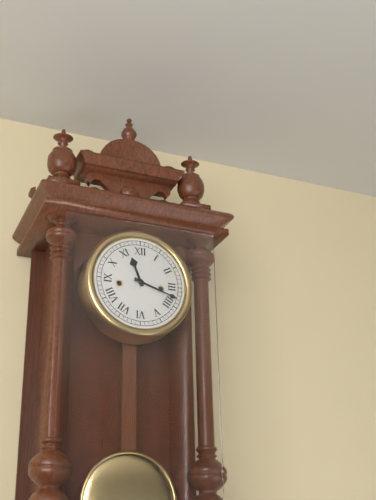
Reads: 11:18
